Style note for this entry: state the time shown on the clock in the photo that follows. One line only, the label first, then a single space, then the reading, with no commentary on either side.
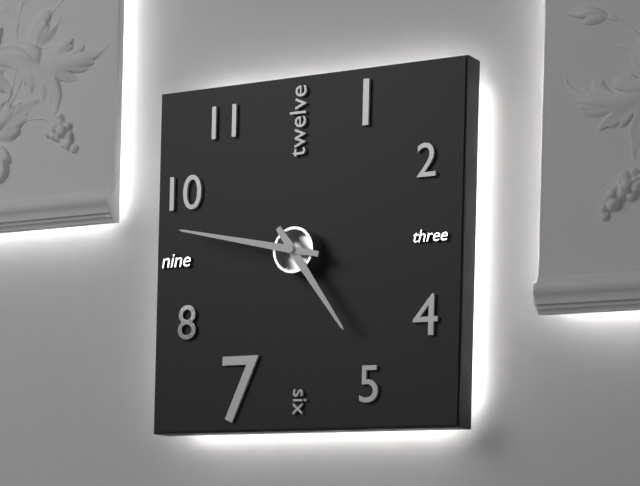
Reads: 4:47
